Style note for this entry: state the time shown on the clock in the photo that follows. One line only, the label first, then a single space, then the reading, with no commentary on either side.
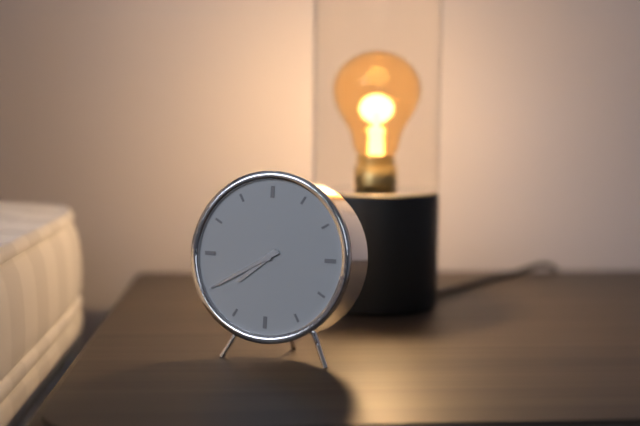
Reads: 7:40
